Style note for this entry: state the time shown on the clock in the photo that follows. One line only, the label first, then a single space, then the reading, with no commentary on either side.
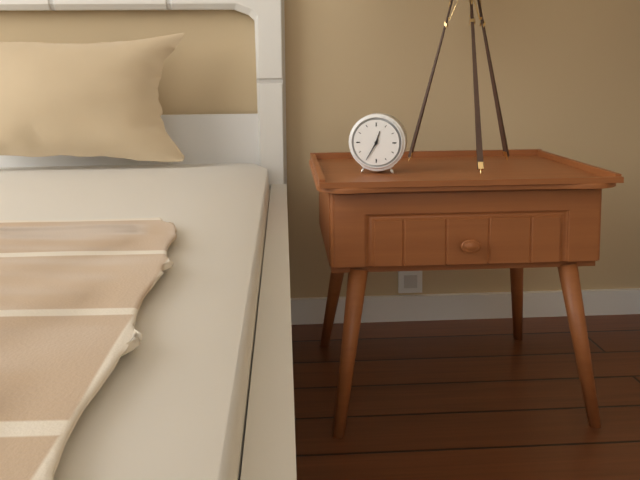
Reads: 12:35
